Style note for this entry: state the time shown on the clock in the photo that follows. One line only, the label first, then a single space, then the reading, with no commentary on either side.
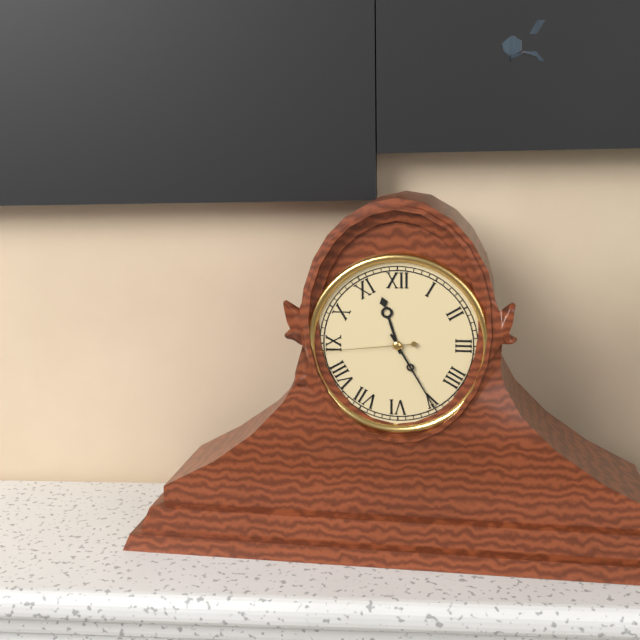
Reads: 11:25:44
